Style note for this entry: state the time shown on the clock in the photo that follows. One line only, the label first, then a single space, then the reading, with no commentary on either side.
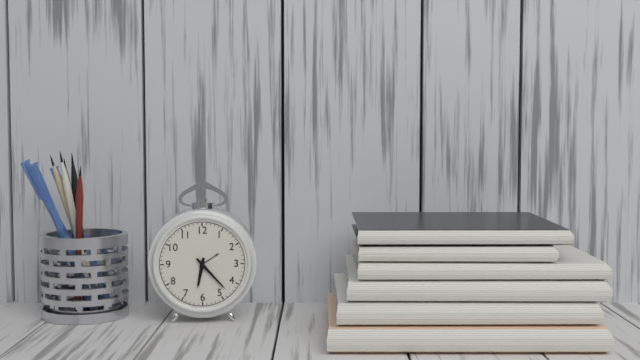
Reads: 6:23
